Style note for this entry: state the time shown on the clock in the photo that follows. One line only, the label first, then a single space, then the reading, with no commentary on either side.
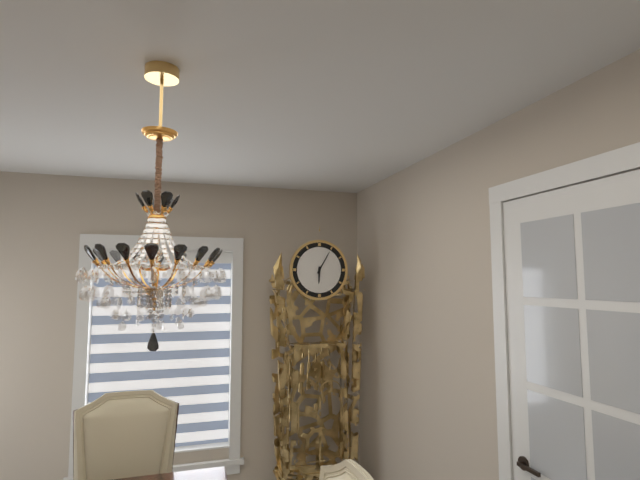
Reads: 6:05
